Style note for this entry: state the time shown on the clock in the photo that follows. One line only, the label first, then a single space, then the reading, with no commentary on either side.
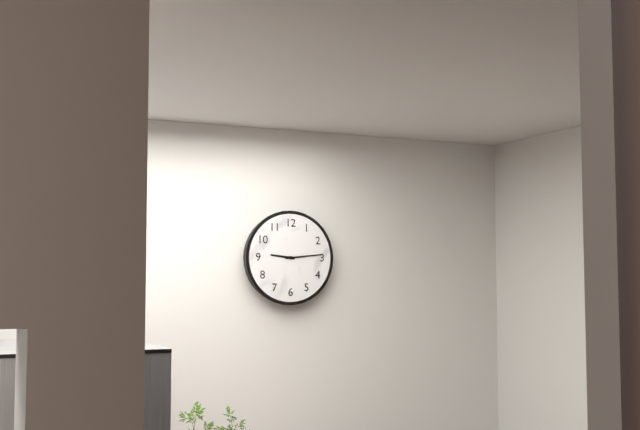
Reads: 9:14
